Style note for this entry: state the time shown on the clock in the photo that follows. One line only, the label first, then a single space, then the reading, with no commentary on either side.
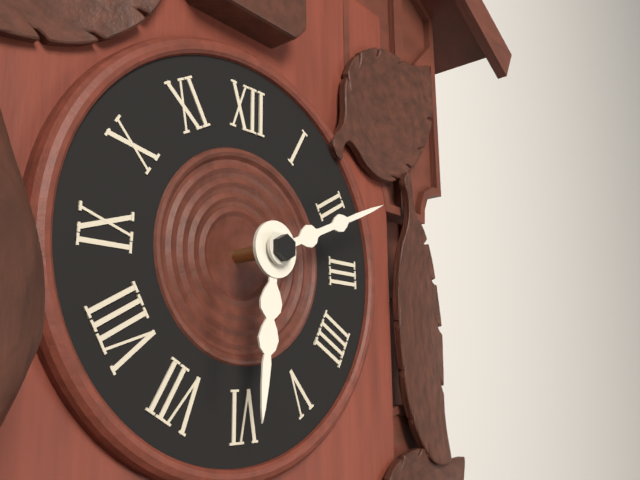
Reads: 6:11
